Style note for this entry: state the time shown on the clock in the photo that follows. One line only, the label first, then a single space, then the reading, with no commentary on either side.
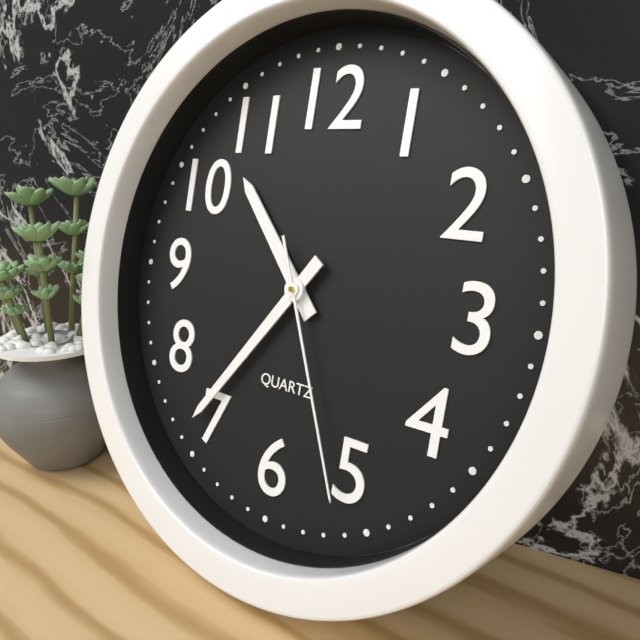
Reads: 10:36:26
